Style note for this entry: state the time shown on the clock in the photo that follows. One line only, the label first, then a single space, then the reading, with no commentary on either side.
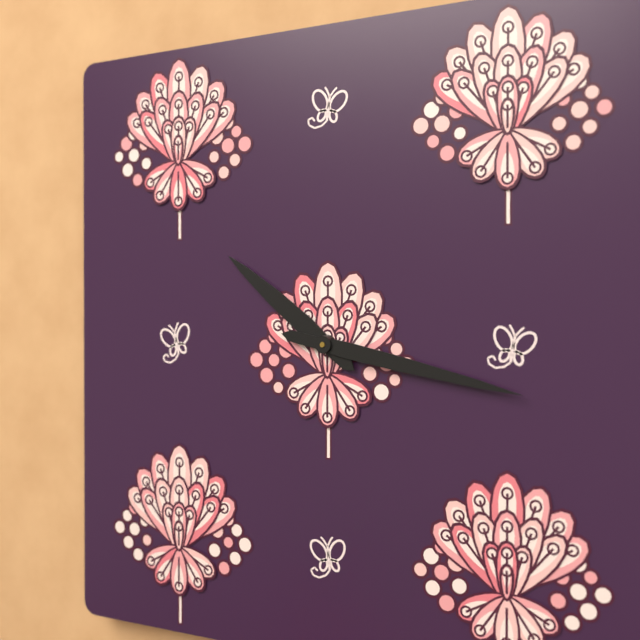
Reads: 10:17
